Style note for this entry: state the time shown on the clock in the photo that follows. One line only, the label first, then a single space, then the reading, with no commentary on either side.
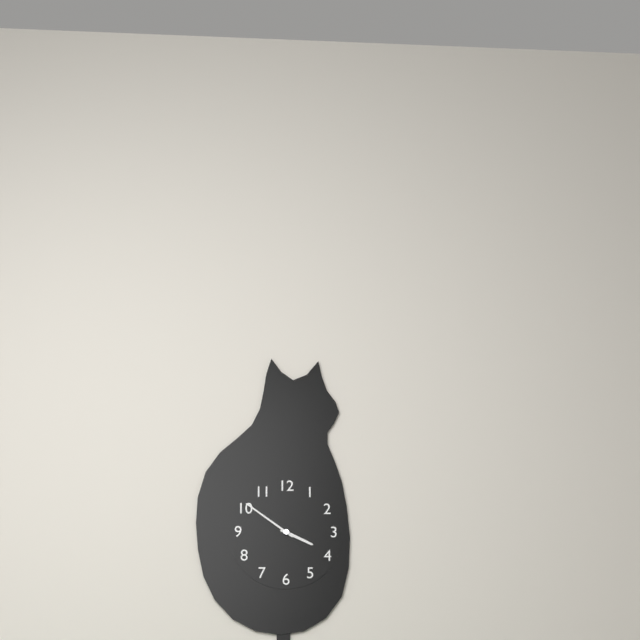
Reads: 3:51
